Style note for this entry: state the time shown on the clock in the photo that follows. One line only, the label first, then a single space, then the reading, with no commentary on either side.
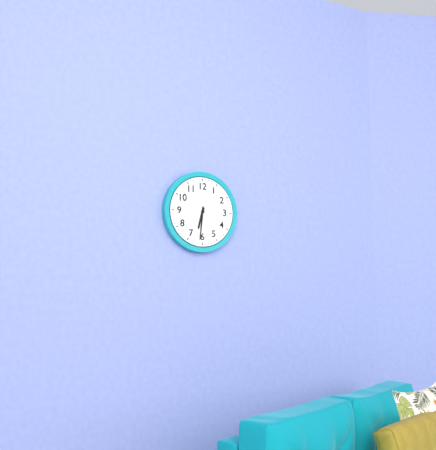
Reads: 6:31
